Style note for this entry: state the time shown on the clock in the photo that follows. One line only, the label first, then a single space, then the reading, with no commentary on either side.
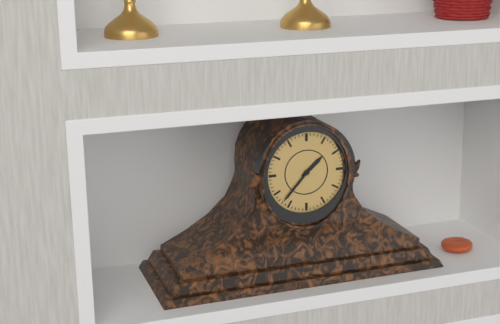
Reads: 1:37
